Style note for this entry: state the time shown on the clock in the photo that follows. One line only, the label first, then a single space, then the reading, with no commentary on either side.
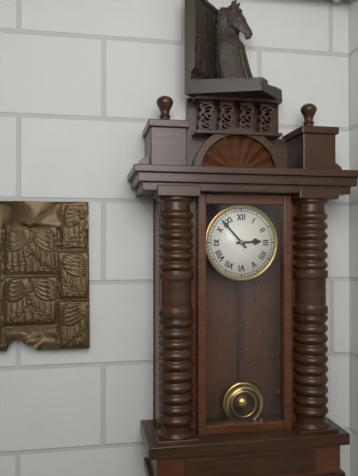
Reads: 2:53
